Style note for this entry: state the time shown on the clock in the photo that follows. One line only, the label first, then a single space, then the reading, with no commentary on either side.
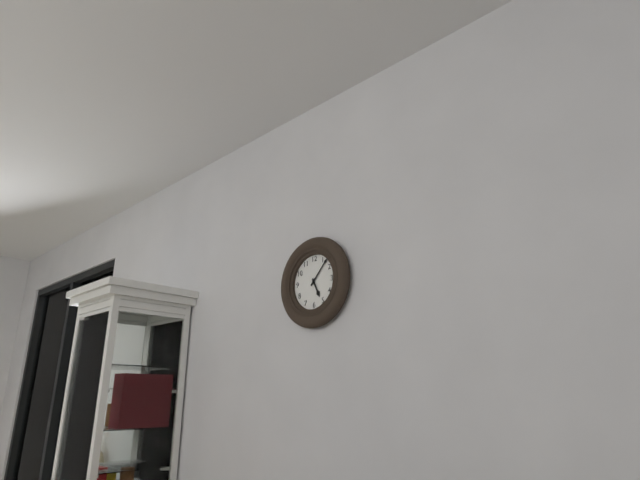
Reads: 5:07
